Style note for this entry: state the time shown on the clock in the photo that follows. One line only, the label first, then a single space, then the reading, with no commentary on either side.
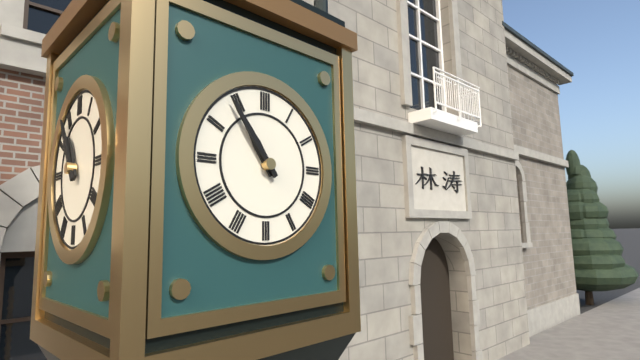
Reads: 10:54
